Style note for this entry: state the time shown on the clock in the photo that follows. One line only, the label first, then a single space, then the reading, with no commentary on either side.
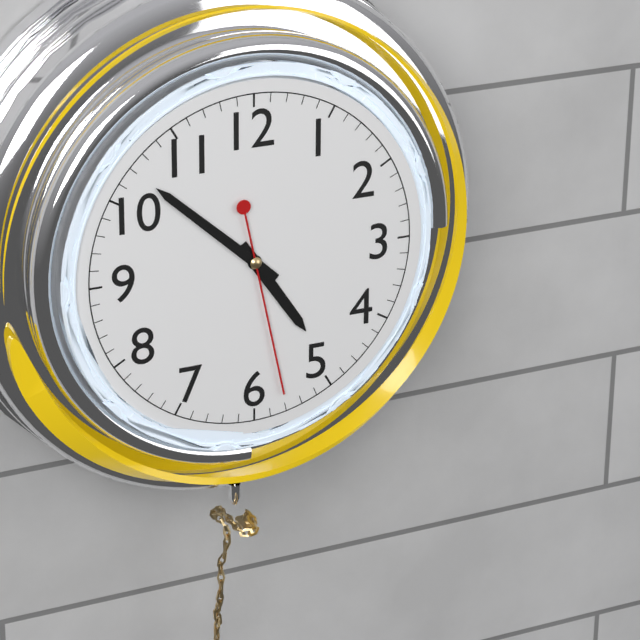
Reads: 4:52:28
